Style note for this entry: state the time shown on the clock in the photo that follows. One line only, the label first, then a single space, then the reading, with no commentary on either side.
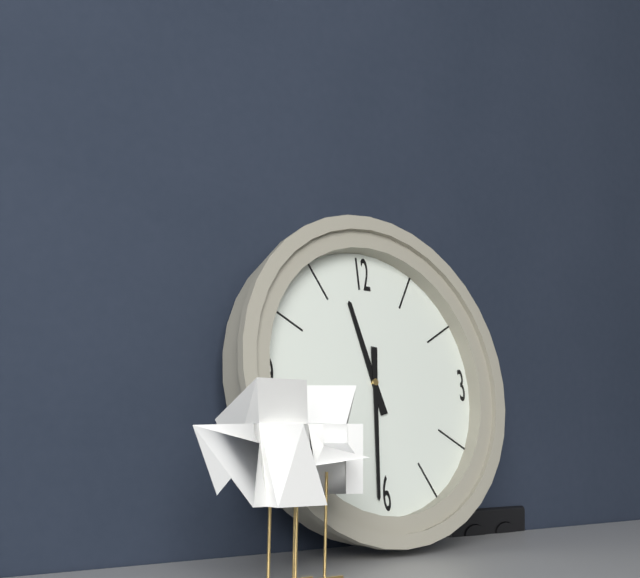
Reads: 11:31
